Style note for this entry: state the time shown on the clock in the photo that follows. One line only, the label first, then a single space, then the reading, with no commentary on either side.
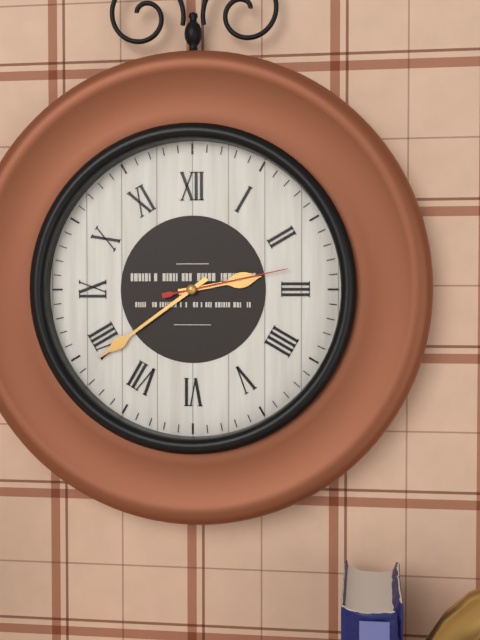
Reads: 2:39:13
